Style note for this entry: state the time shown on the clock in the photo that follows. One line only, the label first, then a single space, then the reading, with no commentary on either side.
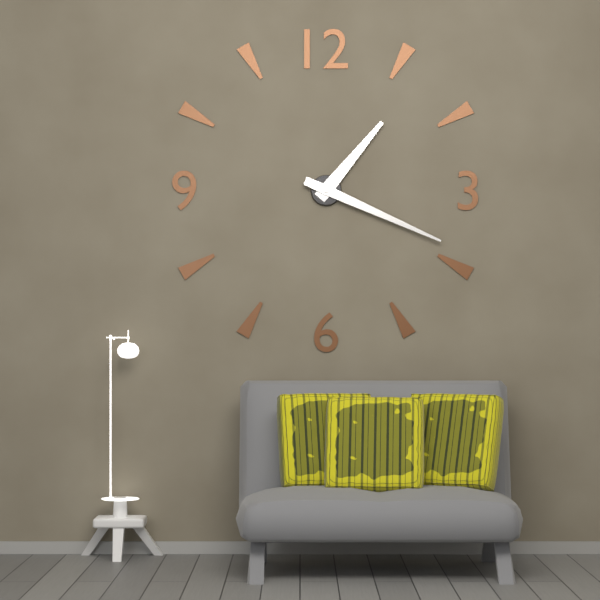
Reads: 1:19
